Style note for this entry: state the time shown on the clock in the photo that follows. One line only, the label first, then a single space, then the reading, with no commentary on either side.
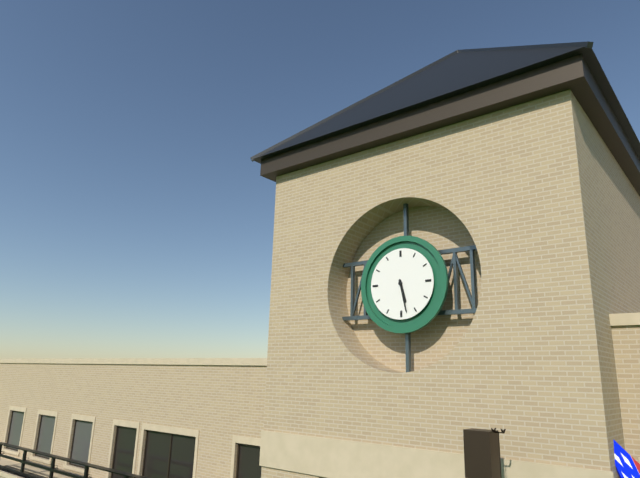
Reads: 5:28
